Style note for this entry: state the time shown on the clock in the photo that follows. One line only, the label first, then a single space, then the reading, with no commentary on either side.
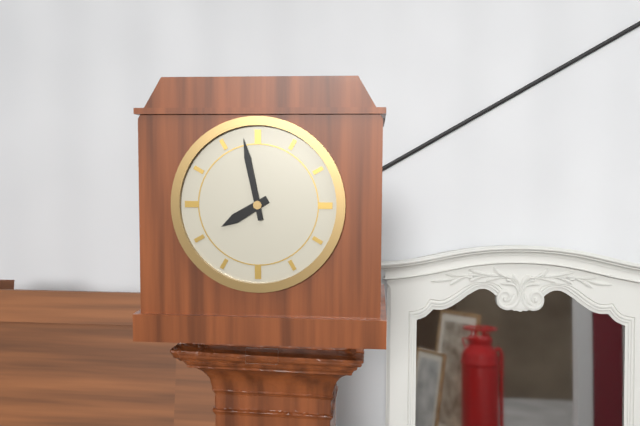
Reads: 7:58
